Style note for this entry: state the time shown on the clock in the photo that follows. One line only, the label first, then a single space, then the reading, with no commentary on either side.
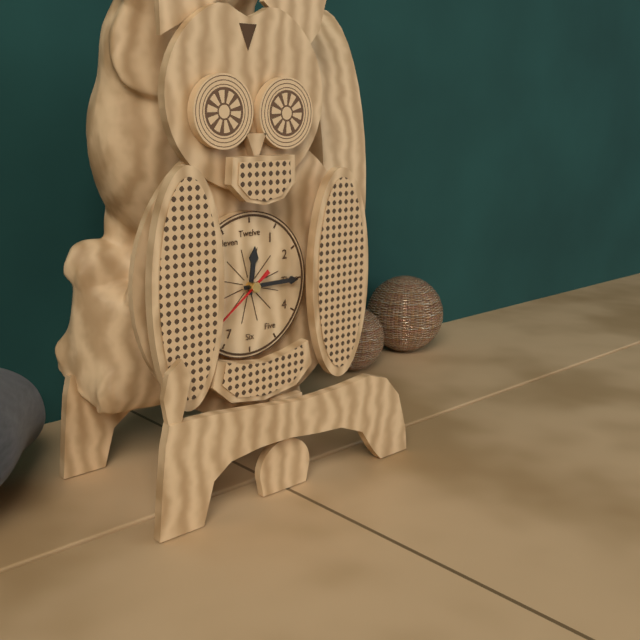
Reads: 12:15:39
